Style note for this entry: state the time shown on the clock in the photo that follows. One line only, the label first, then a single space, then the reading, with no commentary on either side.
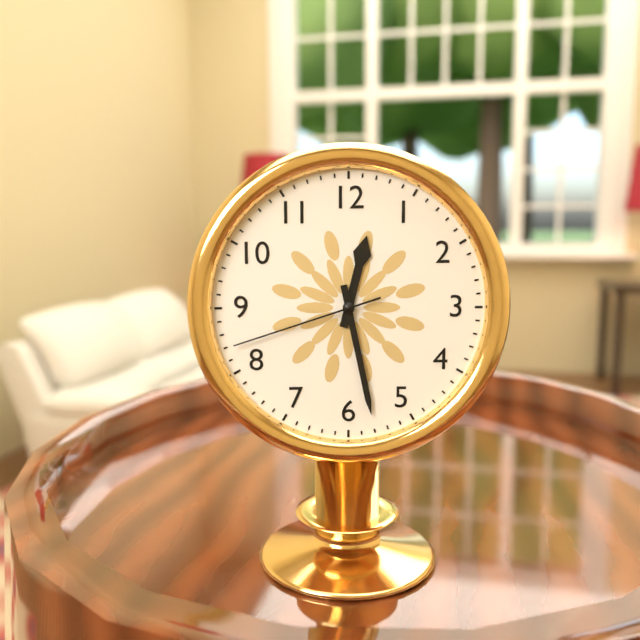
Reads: 12:28:42
